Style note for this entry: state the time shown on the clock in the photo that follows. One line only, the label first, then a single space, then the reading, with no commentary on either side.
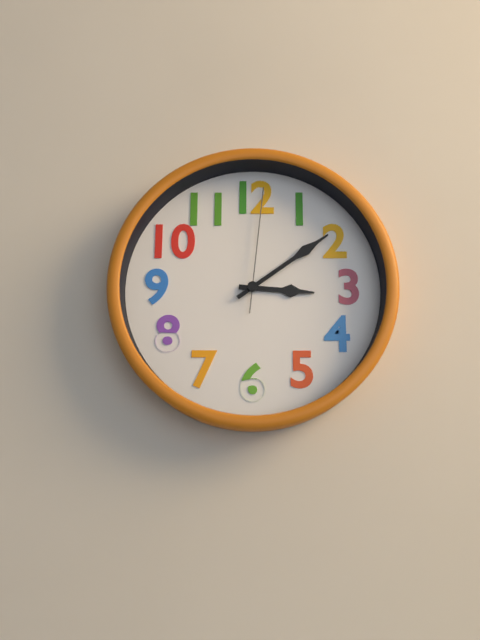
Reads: 3:09:01
